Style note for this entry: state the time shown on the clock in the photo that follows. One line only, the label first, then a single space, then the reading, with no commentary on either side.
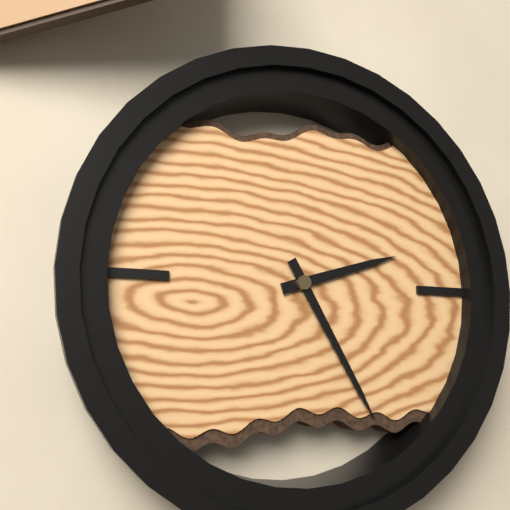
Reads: 2:25
